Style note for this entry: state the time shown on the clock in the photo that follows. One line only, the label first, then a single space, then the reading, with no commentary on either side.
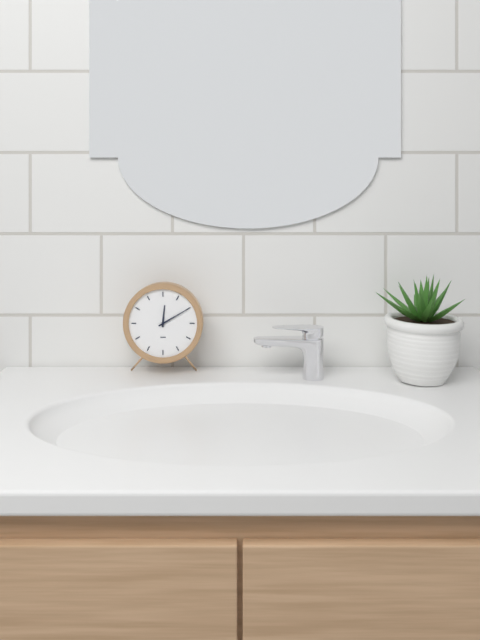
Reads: 12:10
